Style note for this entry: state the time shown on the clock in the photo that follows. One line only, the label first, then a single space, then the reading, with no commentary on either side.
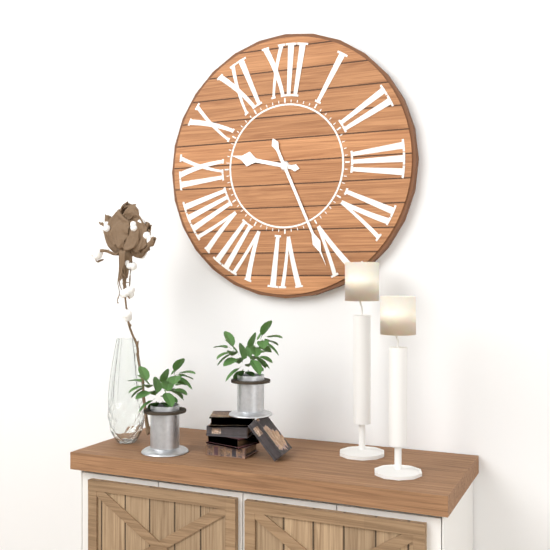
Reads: 9:26
